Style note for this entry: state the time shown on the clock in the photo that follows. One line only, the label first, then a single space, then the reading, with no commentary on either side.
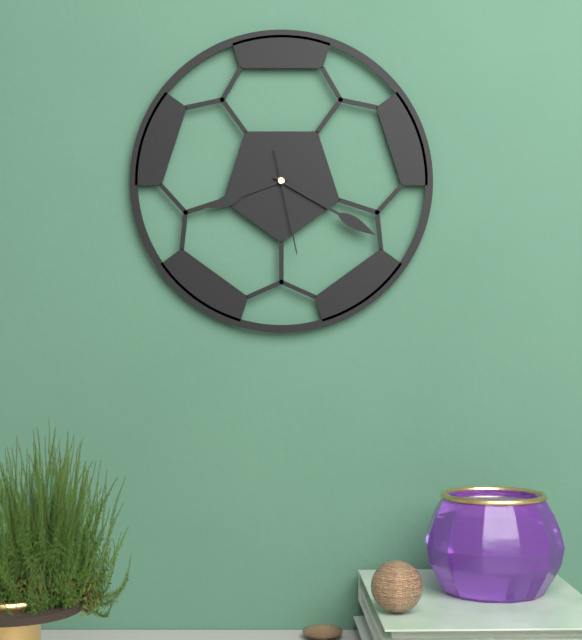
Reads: 8:20:28
